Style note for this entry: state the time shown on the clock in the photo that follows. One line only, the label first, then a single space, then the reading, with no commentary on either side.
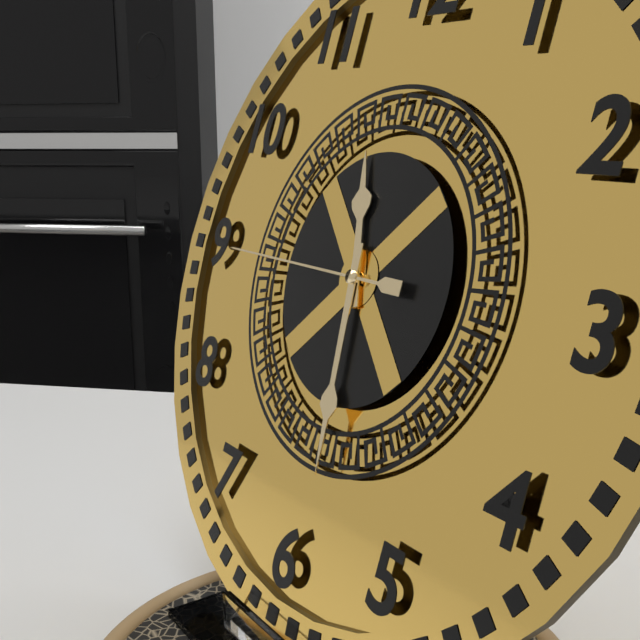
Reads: 11:29:45
